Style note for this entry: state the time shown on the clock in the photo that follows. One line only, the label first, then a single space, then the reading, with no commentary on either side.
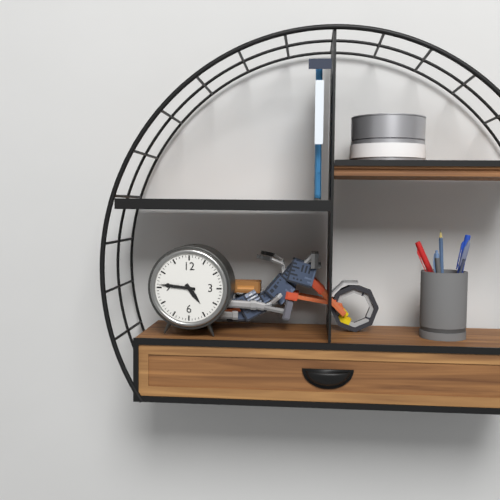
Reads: 4:46
